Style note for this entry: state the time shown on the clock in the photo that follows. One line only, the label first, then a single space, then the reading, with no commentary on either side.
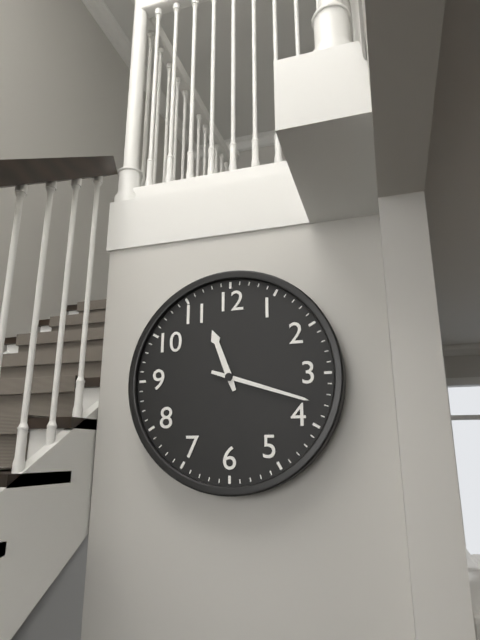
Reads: 11:18
